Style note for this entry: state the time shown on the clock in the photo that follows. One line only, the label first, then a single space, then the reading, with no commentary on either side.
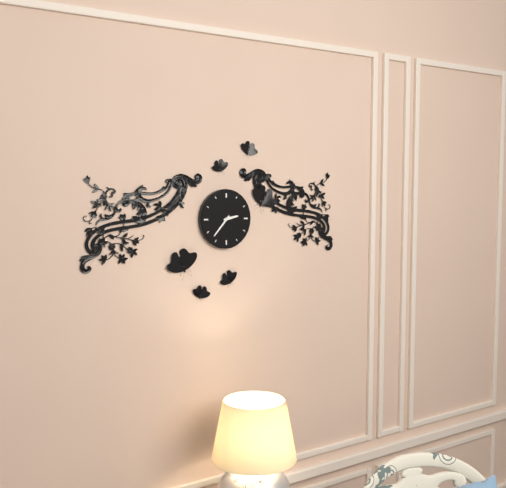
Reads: 2:37
